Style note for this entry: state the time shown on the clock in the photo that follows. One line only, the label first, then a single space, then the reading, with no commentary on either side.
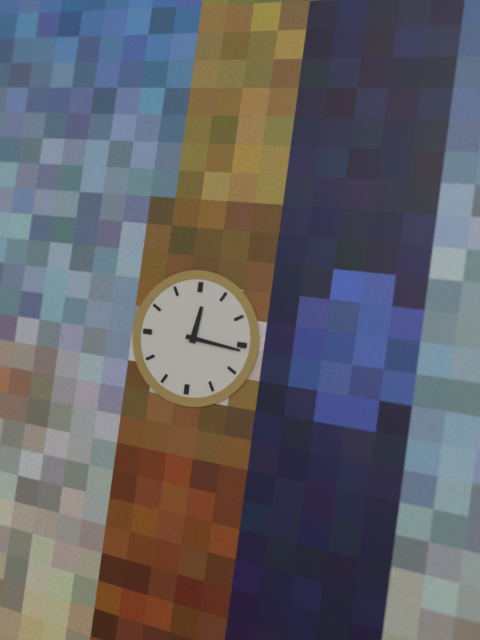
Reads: 12:16
